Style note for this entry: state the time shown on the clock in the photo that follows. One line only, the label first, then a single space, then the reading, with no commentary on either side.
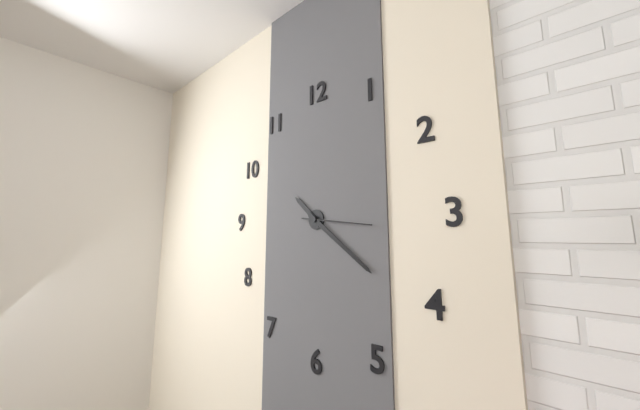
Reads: 10:21:16
